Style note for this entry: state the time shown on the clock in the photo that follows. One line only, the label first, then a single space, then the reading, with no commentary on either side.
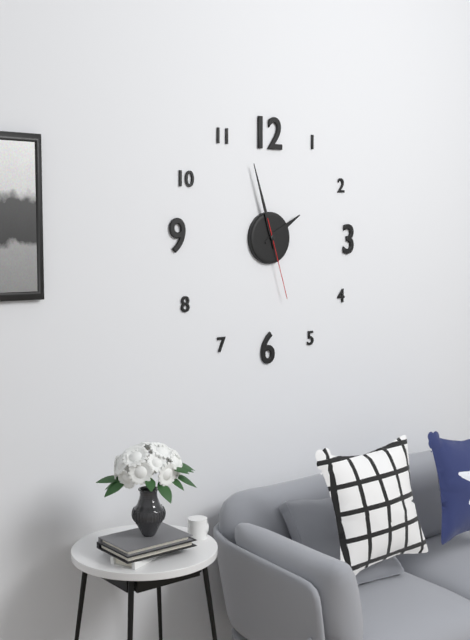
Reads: 1:57:27
